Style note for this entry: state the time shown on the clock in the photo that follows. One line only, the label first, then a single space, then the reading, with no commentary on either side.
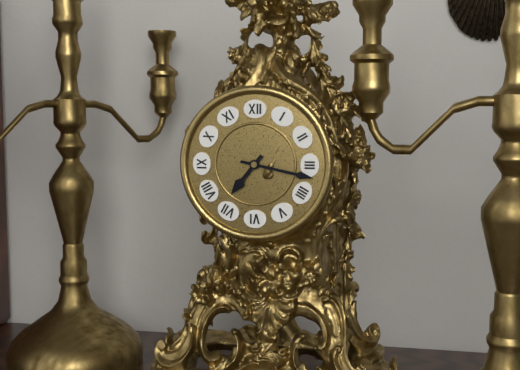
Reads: 7:17
